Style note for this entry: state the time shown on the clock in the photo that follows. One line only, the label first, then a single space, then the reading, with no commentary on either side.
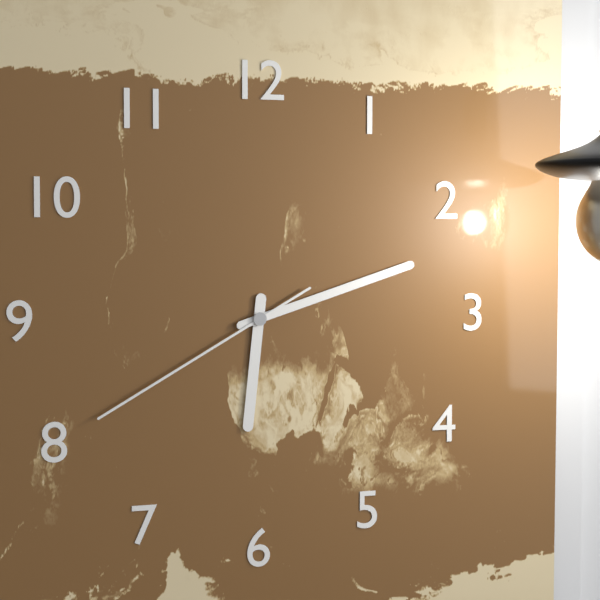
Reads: 6:12:40
